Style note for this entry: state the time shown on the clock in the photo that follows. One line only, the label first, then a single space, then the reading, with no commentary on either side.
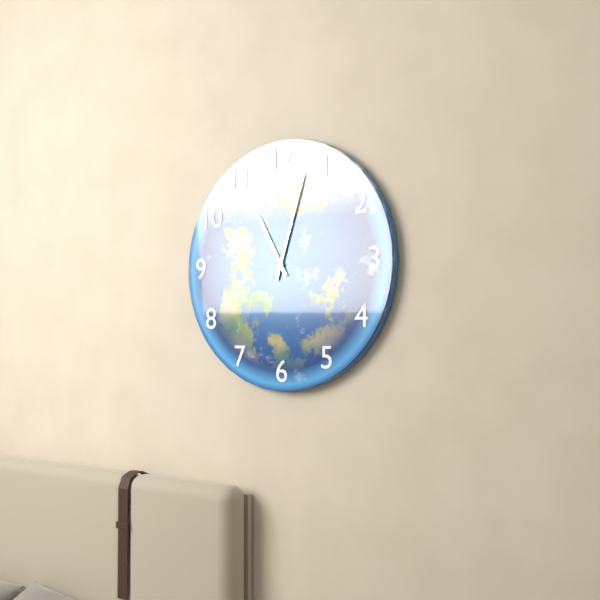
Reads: 11:03
